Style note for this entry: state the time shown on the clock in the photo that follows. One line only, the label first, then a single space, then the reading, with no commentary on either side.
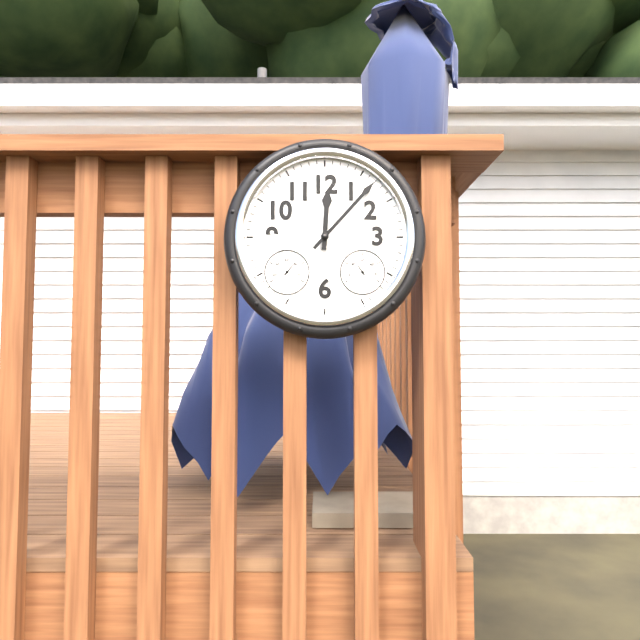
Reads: 12:07
